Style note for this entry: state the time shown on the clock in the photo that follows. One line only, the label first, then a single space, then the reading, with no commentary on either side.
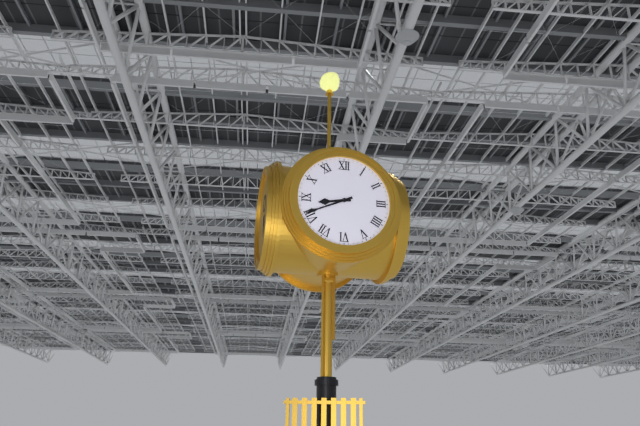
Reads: 8:41
